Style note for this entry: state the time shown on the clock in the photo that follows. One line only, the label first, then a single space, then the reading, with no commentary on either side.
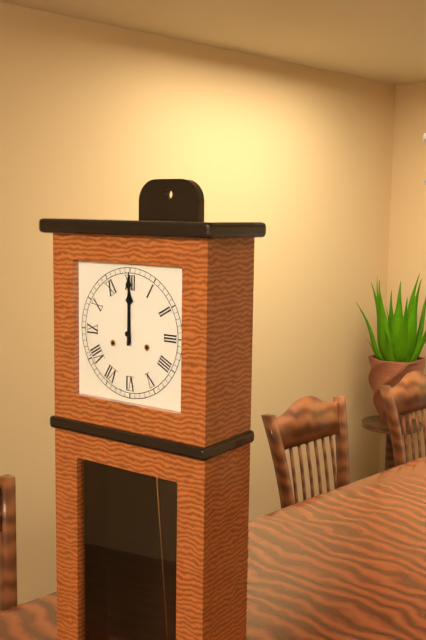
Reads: 12:00
